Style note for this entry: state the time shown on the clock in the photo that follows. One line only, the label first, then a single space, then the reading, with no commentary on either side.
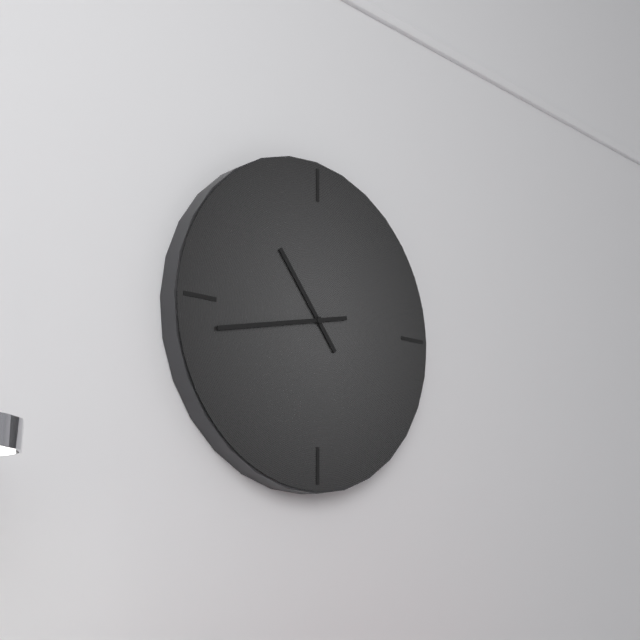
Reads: 10:43
